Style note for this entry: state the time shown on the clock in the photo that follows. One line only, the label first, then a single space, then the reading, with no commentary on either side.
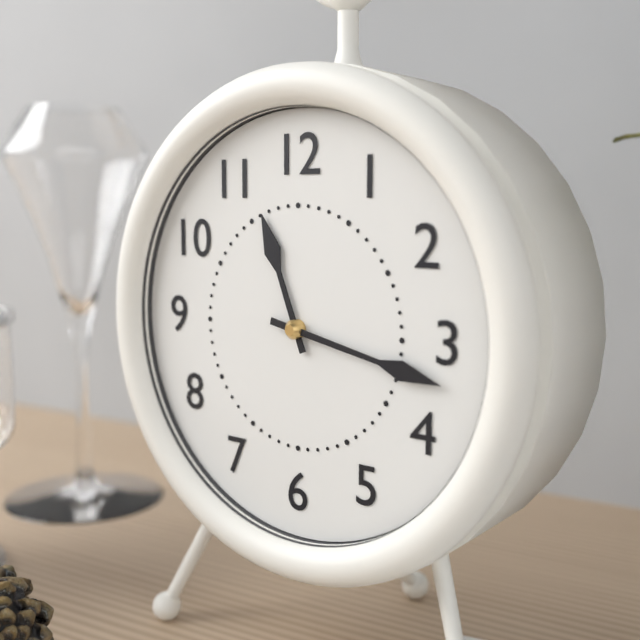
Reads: 11:17
